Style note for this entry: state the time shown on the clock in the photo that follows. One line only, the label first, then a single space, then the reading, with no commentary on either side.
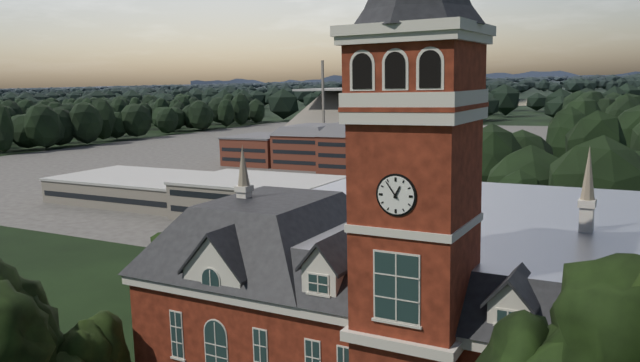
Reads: 12:54
